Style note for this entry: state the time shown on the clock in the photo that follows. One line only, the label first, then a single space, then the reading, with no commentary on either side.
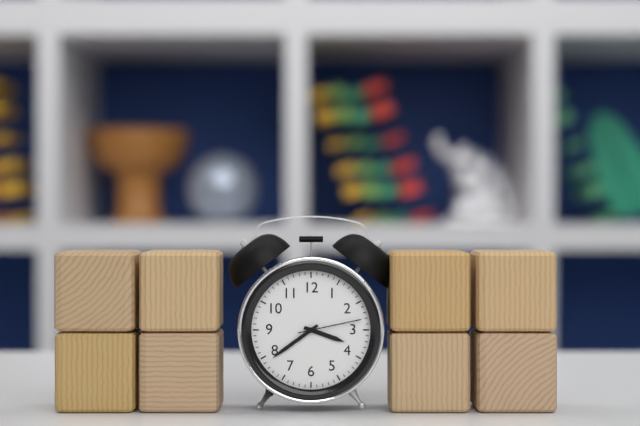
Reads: 3:39:13
